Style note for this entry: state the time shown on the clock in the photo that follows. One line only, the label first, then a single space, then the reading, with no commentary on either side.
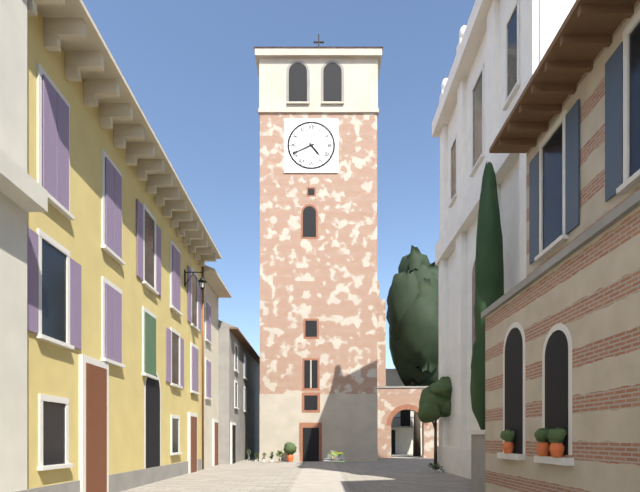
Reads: 4:41
